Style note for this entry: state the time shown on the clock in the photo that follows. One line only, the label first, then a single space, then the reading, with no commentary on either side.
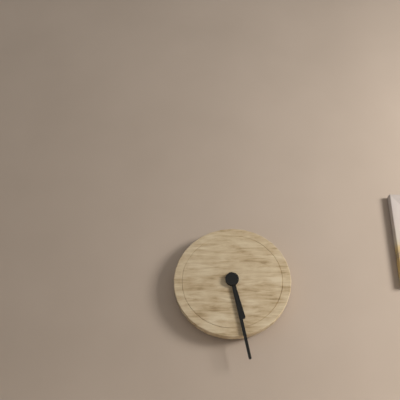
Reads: 5:28
